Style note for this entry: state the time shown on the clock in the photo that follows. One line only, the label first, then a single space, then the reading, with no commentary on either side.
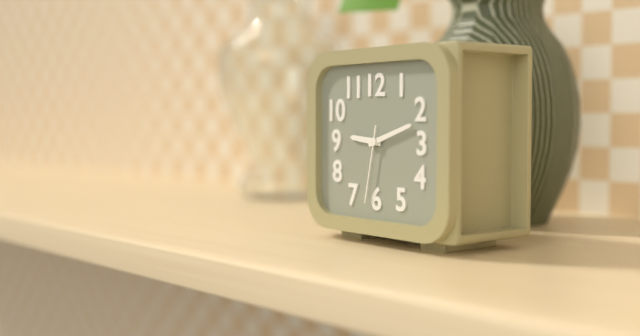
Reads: 9:12:32
